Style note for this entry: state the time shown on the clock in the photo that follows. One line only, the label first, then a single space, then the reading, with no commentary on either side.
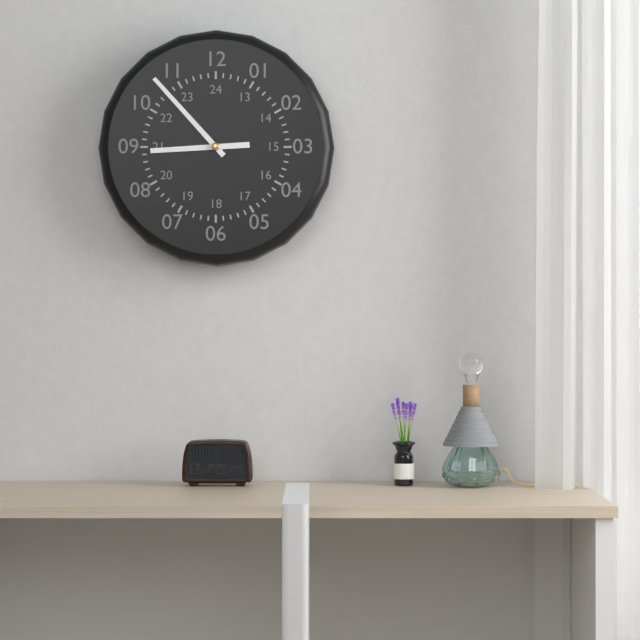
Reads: 8:53
